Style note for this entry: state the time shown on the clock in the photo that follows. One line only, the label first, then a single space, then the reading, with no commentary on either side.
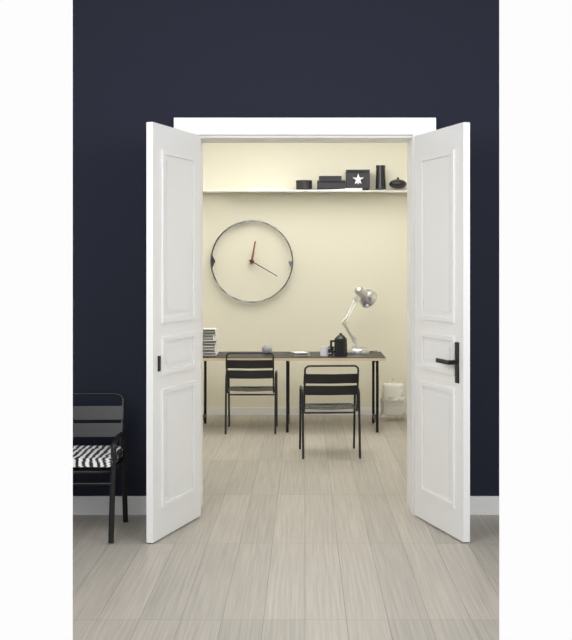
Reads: 12:20
